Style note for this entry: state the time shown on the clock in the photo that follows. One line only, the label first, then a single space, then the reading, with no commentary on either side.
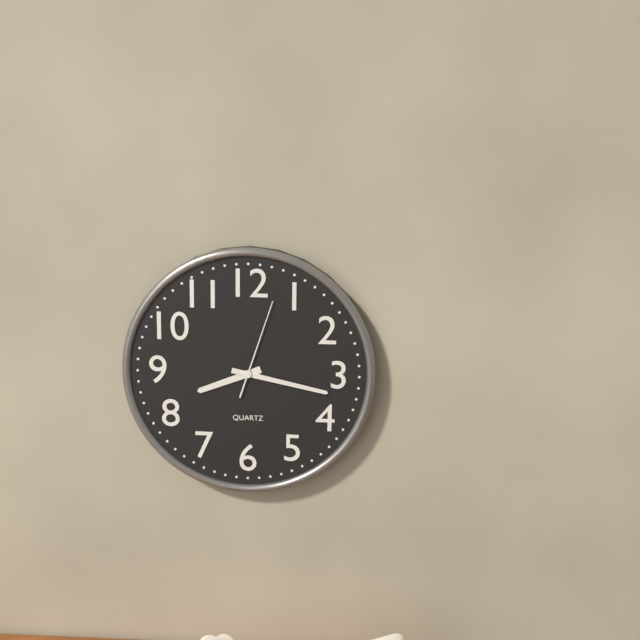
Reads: 8:17:03
